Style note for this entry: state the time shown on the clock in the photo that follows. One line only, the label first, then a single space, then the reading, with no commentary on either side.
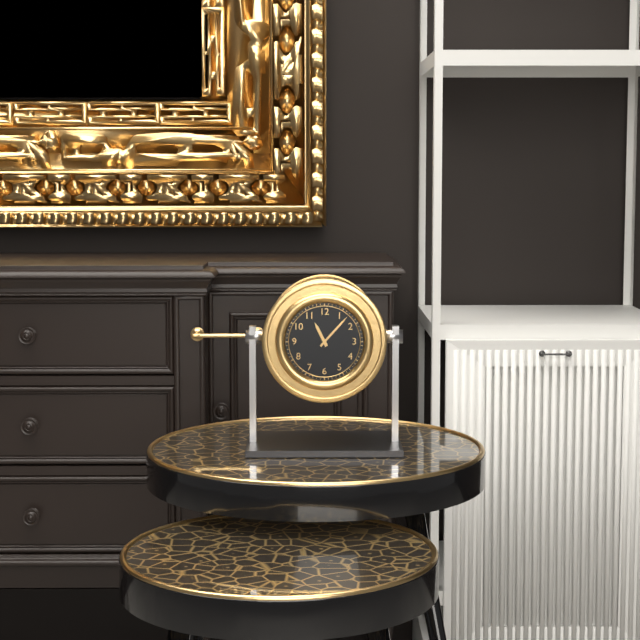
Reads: 11:07
